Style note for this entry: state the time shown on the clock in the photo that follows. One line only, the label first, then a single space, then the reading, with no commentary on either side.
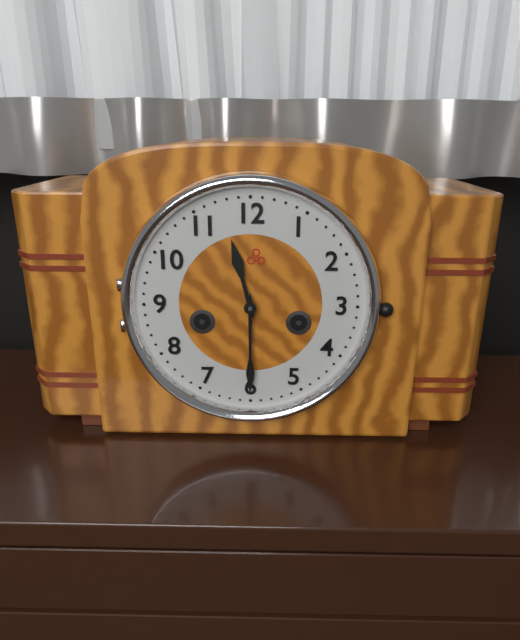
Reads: 11:30
